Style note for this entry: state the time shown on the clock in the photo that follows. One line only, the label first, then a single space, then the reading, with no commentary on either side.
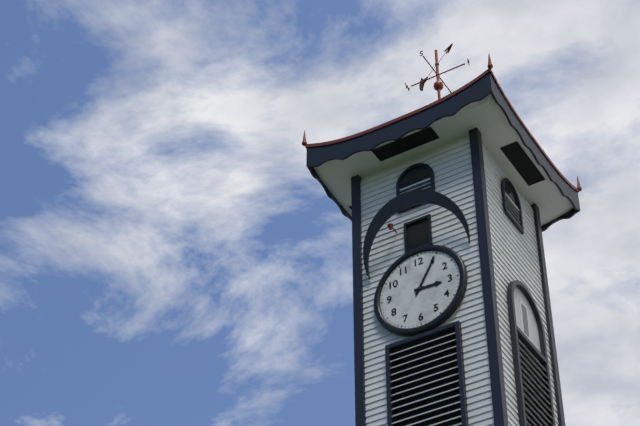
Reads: 3:05
